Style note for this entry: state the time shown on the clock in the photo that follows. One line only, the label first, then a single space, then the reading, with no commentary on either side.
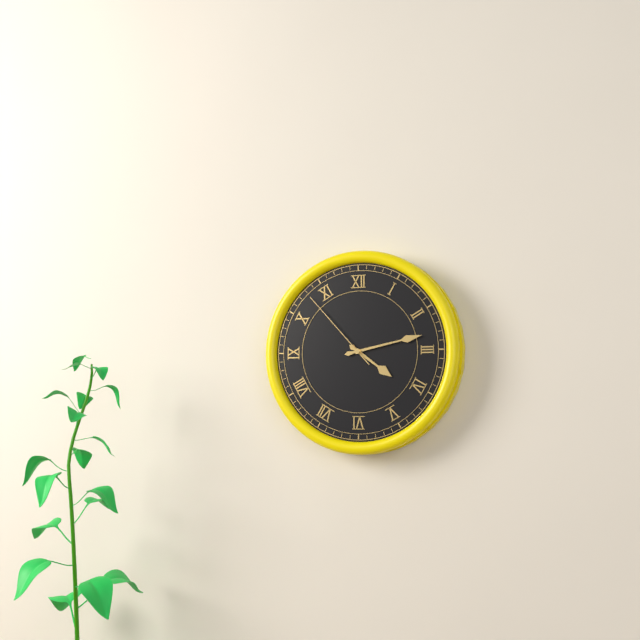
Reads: 4:13:53
